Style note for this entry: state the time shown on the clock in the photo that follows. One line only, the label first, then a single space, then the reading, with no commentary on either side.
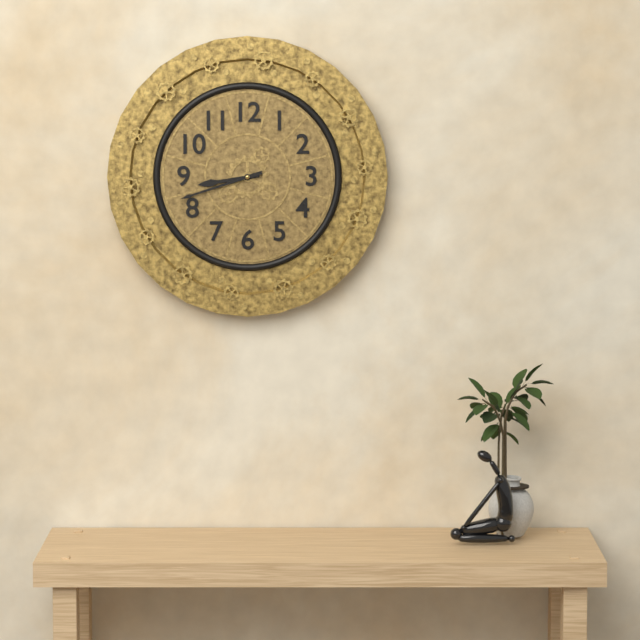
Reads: 8:42
